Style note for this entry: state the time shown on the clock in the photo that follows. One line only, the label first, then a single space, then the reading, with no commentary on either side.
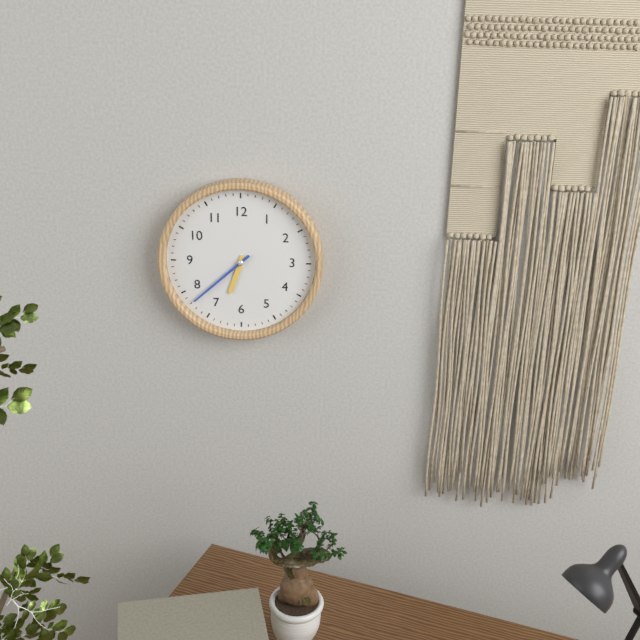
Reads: 6:38
